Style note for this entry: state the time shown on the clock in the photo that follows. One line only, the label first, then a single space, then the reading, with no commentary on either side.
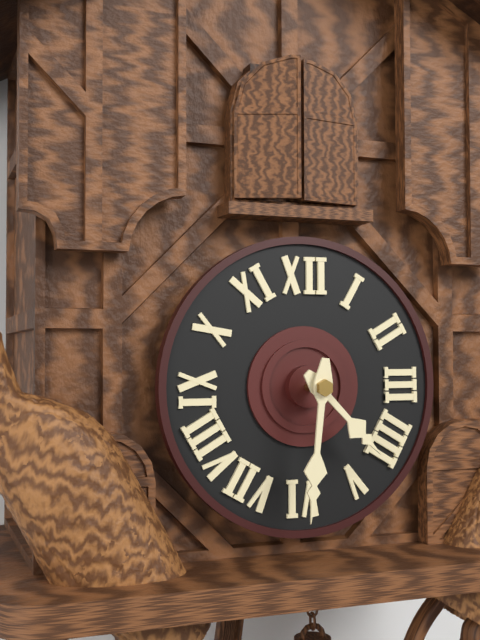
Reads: 4:31
